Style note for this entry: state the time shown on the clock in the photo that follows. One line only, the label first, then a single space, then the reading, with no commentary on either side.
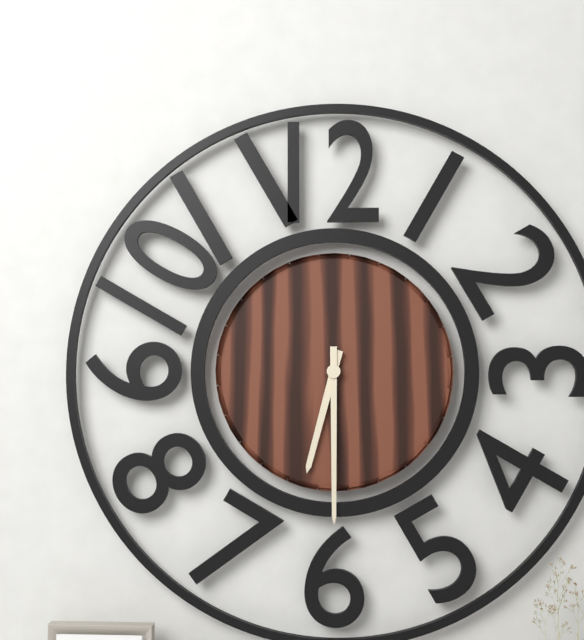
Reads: 6:30
